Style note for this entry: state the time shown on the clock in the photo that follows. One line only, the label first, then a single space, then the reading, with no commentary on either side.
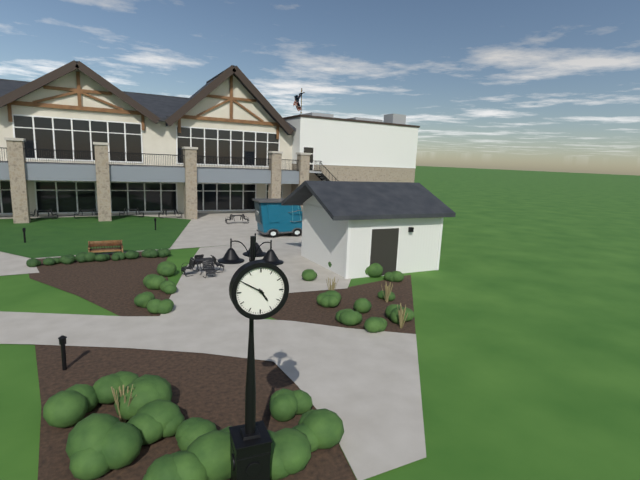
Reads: 4:50
